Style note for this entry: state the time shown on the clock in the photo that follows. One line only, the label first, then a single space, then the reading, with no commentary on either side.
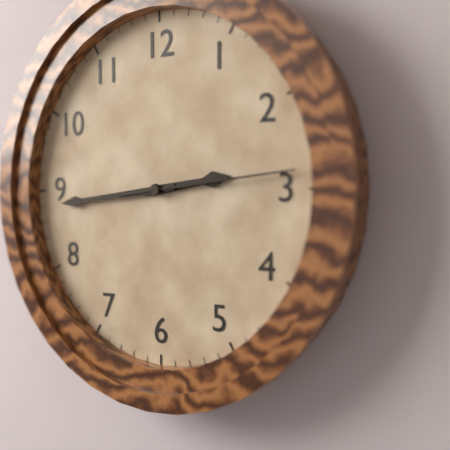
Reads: 2:44:14
